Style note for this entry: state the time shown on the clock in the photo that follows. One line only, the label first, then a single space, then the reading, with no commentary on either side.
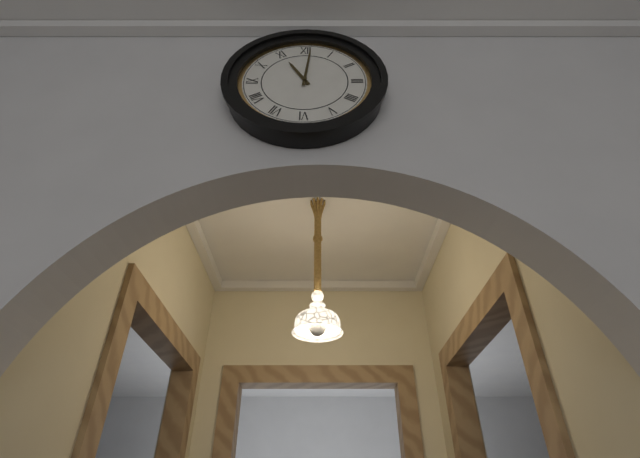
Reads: 11:01
